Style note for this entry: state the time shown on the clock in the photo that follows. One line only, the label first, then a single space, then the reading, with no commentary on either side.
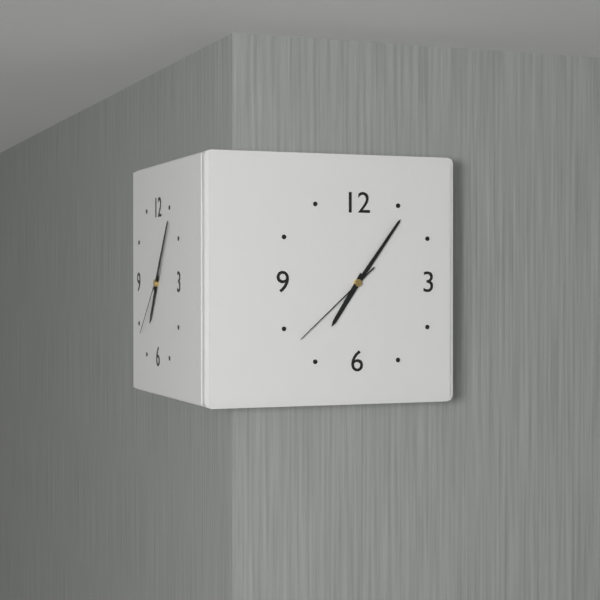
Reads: 7:06:38
